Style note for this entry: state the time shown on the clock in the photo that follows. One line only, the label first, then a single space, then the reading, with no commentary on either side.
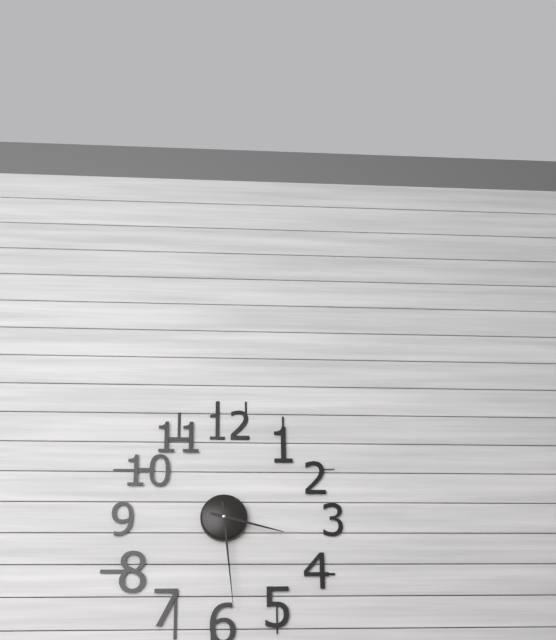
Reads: 3:29
